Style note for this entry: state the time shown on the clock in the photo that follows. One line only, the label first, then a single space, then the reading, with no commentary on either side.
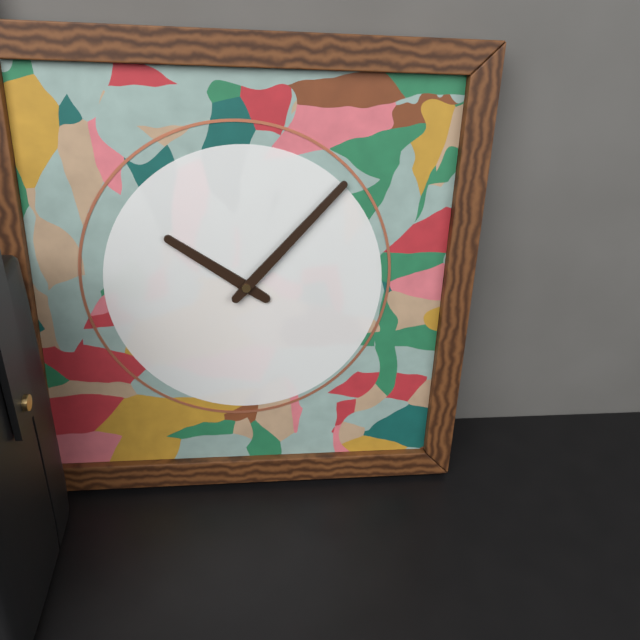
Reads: 10:07
